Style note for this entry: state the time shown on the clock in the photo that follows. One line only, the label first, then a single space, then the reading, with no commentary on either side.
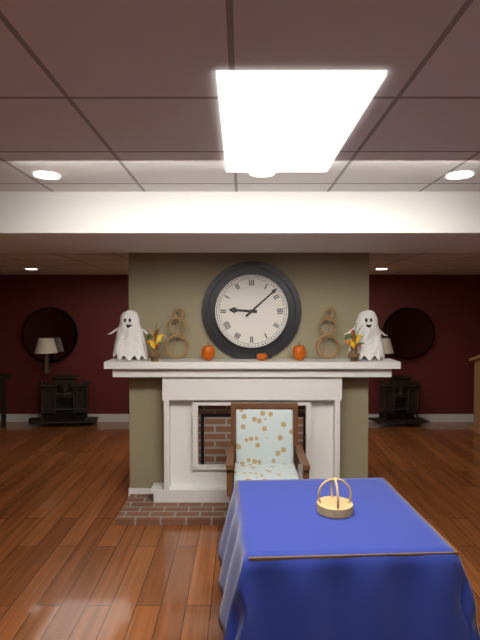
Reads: 9:08
